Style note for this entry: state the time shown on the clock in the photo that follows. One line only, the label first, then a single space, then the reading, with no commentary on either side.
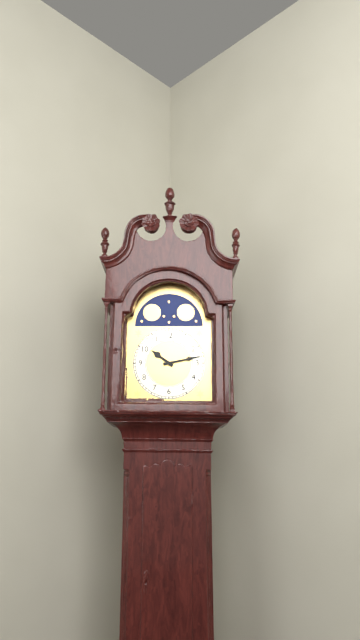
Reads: 10:13
